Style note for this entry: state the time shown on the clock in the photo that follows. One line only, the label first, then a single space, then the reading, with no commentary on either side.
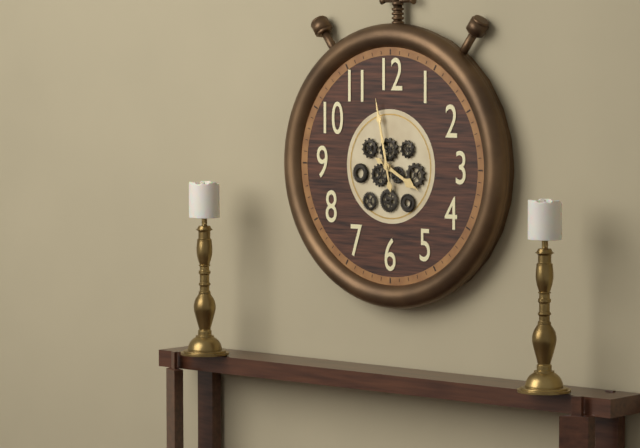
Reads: 3:58
